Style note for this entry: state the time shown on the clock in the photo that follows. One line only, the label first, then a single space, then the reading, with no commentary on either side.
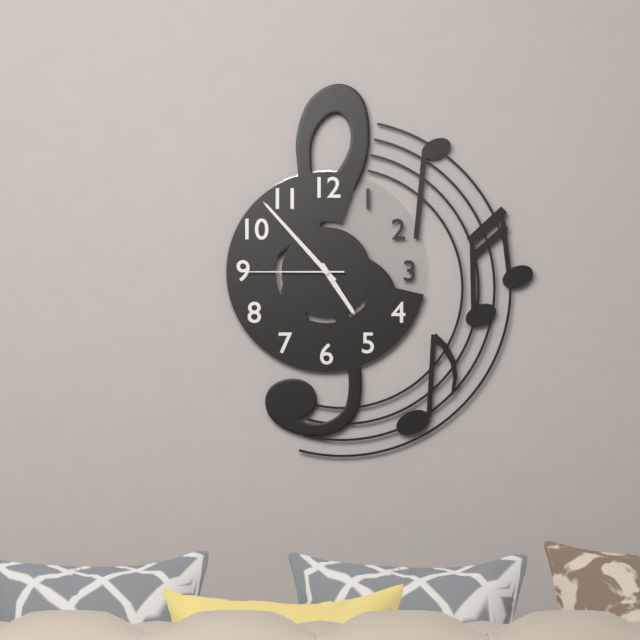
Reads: 4:53:45
